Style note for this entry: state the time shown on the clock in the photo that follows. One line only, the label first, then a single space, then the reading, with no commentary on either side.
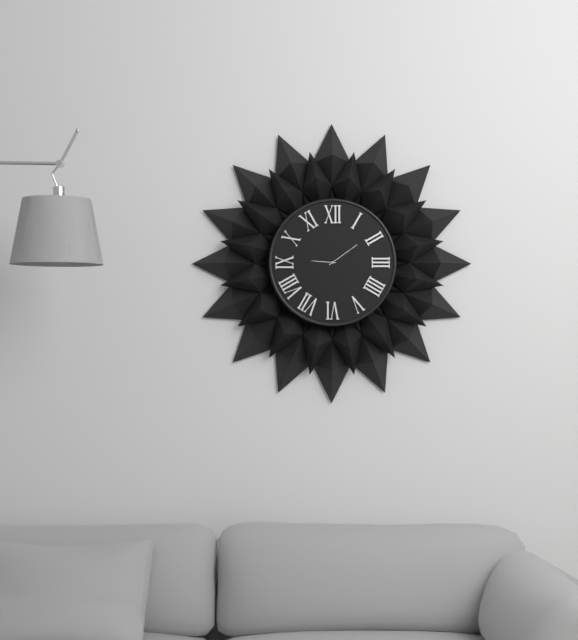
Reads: 9:09
